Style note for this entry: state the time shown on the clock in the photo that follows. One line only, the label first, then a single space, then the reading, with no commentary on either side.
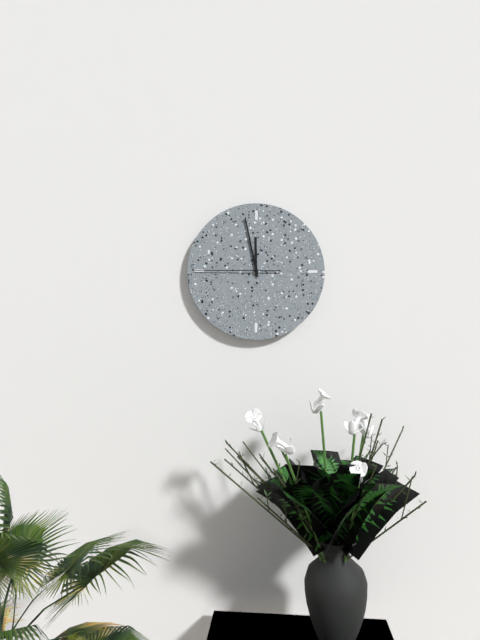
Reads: 11:58:45
